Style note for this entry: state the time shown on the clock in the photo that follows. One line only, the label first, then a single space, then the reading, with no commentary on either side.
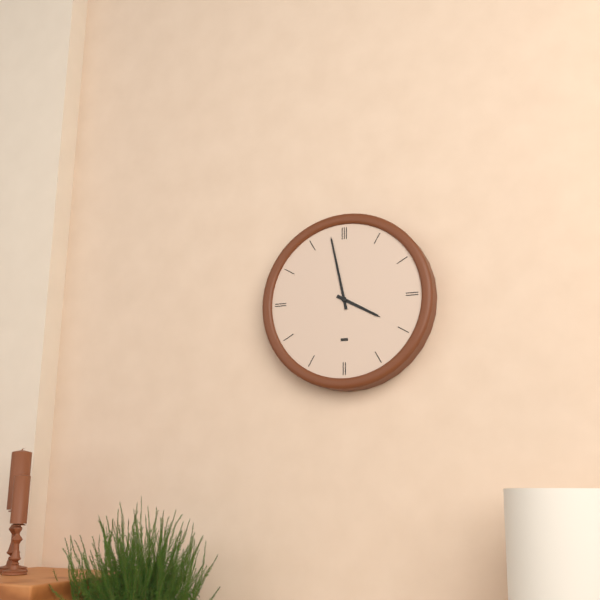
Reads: 3:58
